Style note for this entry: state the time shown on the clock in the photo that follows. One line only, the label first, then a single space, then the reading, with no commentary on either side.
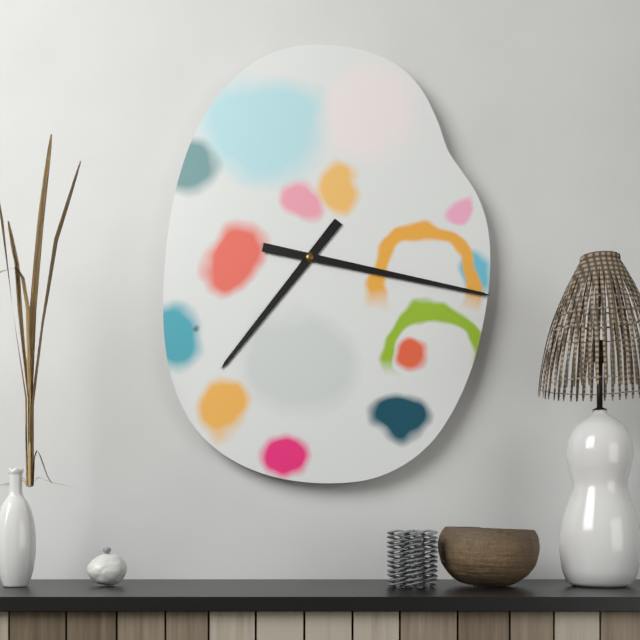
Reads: 7:17
